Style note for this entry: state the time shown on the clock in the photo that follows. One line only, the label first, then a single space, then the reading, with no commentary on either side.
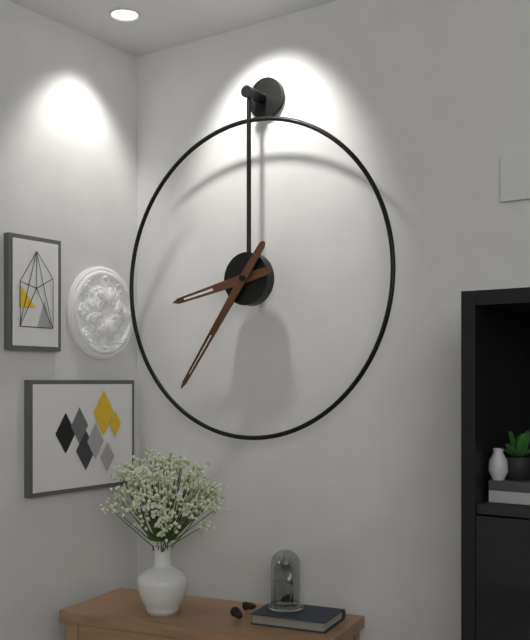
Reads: 8:36
